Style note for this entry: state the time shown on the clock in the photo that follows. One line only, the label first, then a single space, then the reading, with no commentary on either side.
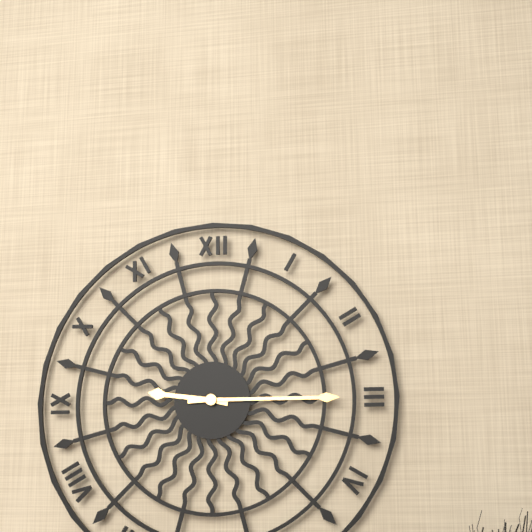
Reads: 9:15
